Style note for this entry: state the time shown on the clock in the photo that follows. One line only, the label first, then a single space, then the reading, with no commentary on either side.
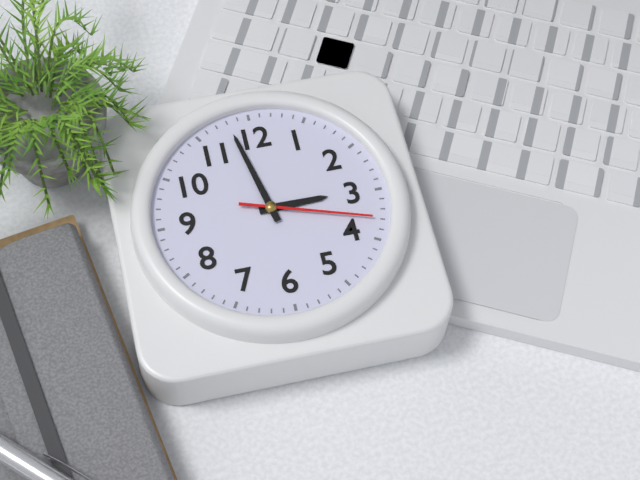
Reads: 2:58:18
